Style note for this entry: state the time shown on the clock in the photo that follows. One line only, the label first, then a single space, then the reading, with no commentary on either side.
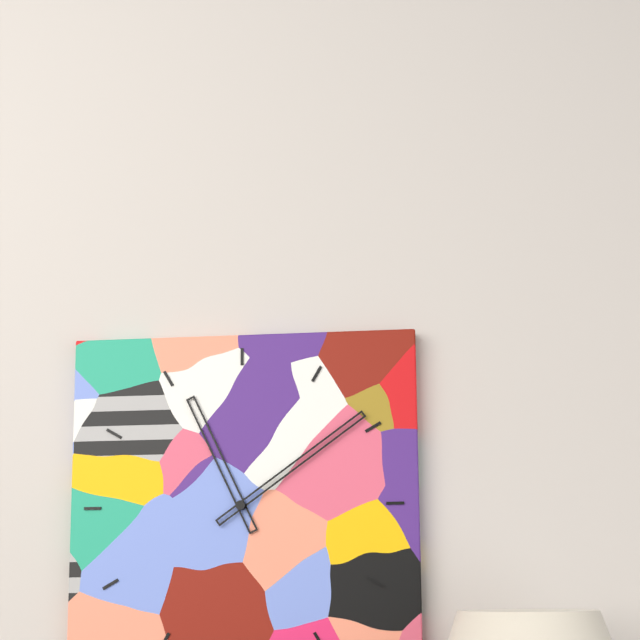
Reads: 11:09
